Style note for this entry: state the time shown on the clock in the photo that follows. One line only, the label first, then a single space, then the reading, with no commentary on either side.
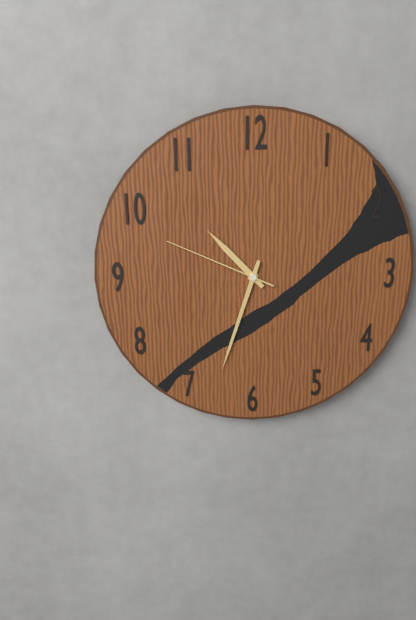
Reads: 10:33:49
